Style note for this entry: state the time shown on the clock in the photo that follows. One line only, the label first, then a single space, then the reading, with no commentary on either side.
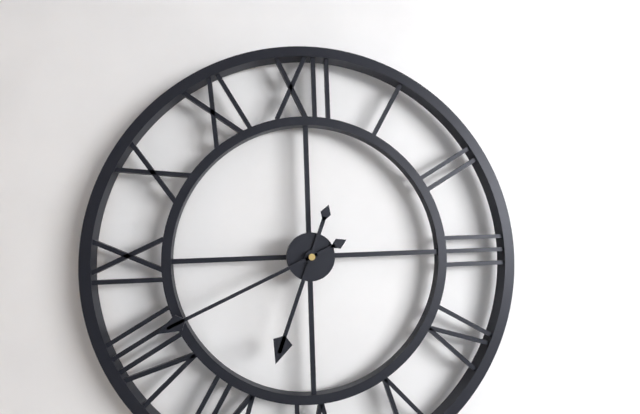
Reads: 6:41
